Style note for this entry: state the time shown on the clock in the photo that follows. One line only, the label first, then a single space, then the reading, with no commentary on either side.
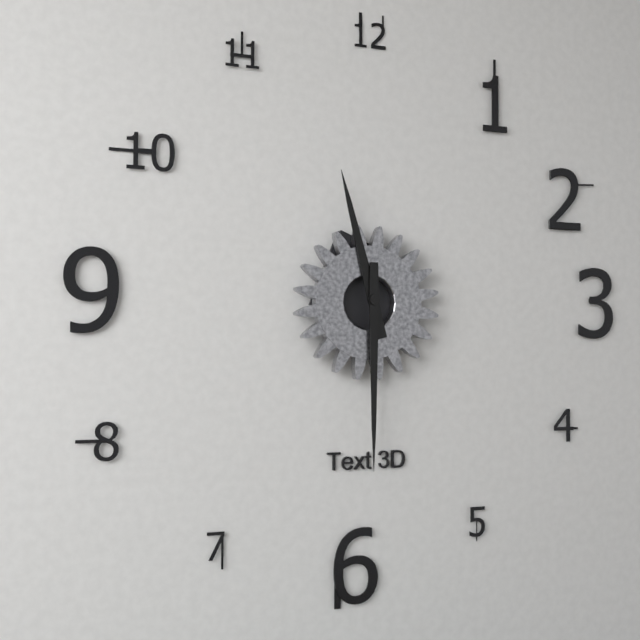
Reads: 11:30
